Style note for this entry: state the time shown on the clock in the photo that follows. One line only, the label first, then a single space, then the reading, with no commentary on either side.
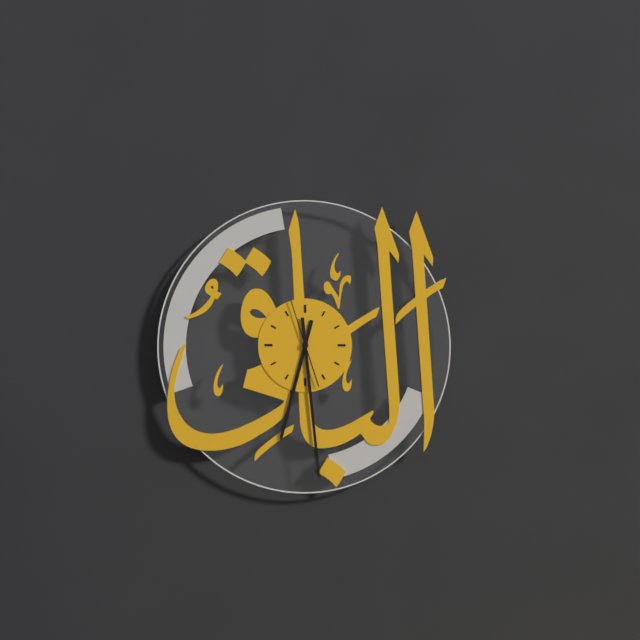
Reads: 6:29:57
